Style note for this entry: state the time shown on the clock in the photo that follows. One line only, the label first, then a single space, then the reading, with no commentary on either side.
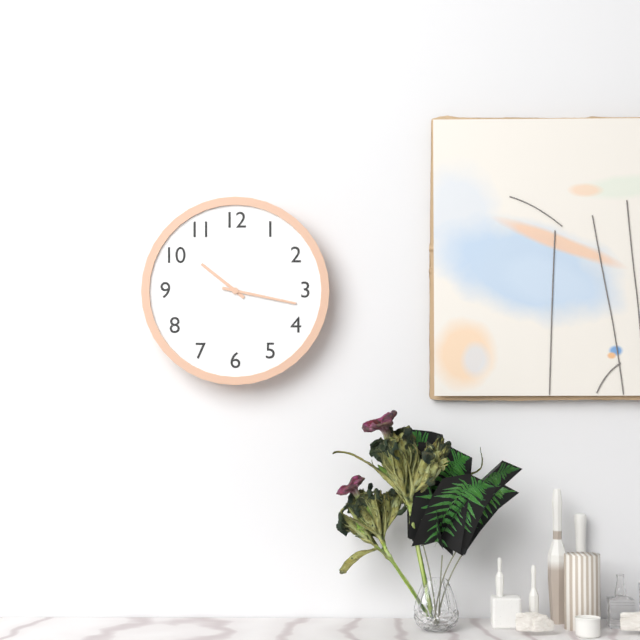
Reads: 10:17
